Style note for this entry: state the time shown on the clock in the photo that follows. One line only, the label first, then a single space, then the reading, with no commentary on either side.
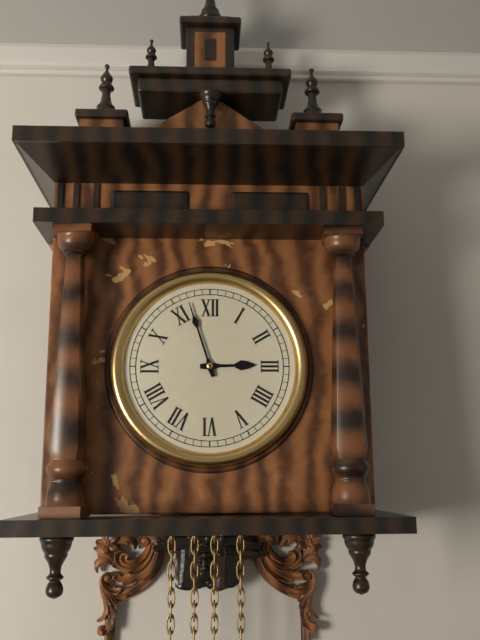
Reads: 2:57
